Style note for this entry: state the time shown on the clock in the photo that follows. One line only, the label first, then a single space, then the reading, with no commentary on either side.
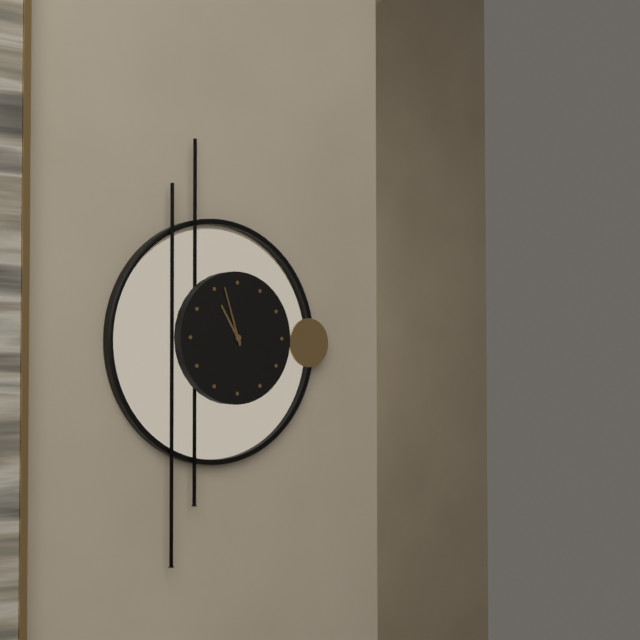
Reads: 10:57
